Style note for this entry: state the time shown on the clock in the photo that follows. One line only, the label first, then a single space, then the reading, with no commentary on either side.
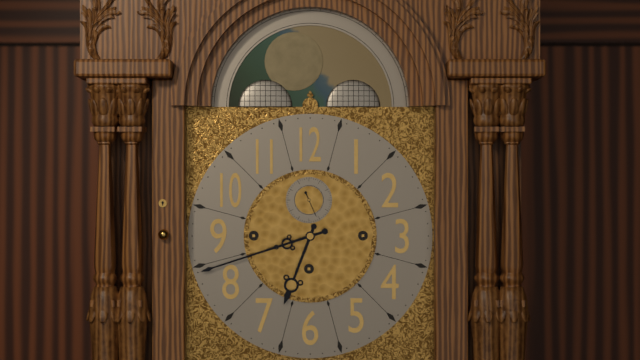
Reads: 6:42
